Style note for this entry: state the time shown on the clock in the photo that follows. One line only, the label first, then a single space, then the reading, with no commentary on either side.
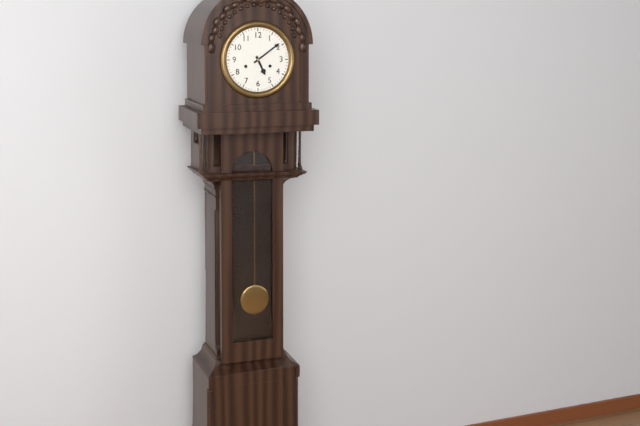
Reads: 5:09
